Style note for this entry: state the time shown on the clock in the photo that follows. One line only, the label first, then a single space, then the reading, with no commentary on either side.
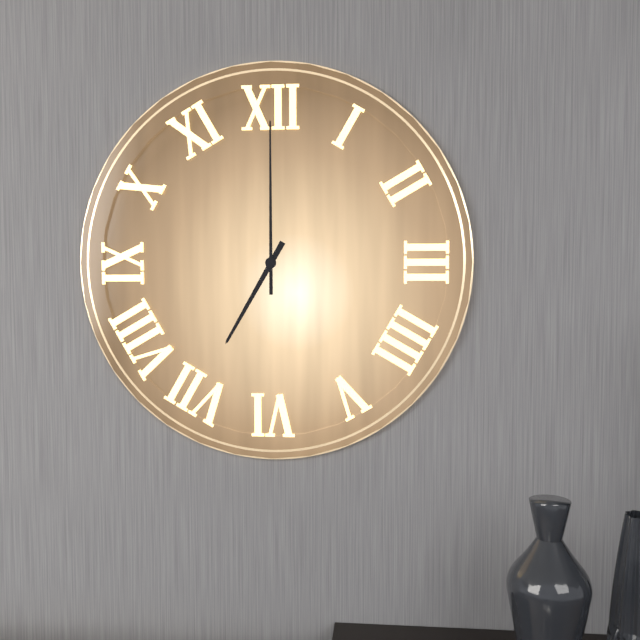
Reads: 7:00
